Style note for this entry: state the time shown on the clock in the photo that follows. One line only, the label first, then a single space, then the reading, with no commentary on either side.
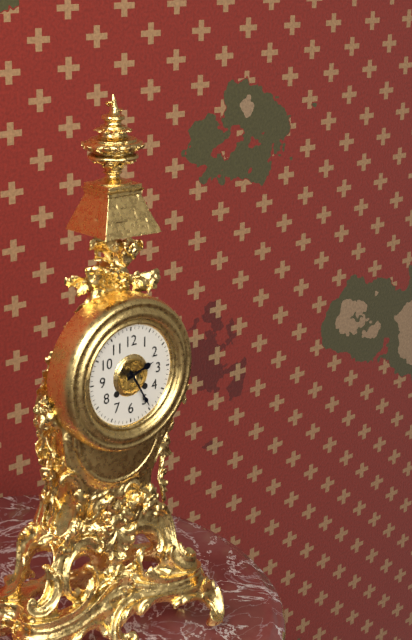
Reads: 2:25
